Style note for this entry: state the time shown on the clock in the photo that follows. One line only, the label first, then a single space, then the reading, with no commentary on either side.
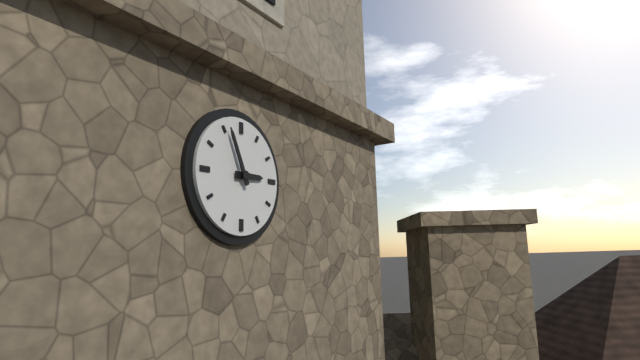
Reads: 2:56
